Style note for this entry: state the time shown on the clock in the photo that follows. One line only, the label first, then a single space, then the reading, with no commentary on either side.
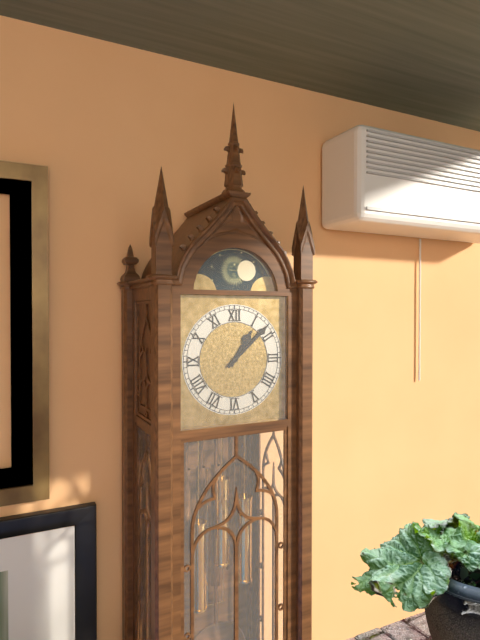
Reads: 1:08
